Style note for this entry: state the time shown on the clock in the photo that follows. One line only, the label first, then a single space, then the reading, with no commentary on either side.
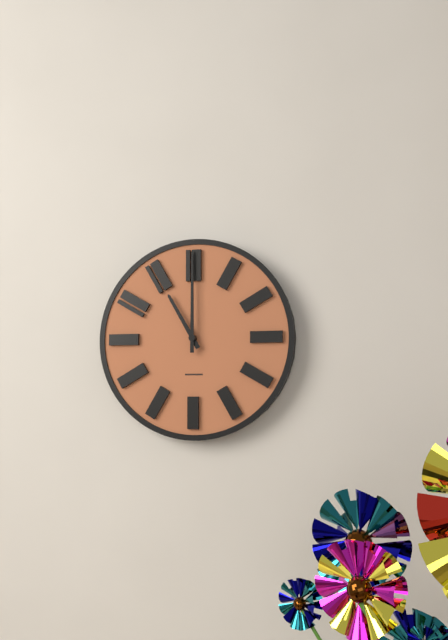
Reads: 11:00
